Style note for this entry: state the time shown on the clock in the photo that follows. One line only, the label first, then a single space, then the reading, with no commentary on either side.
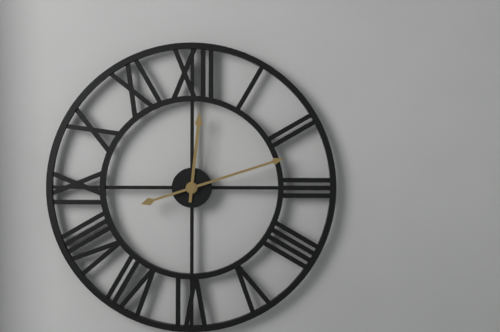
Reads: 12:12
